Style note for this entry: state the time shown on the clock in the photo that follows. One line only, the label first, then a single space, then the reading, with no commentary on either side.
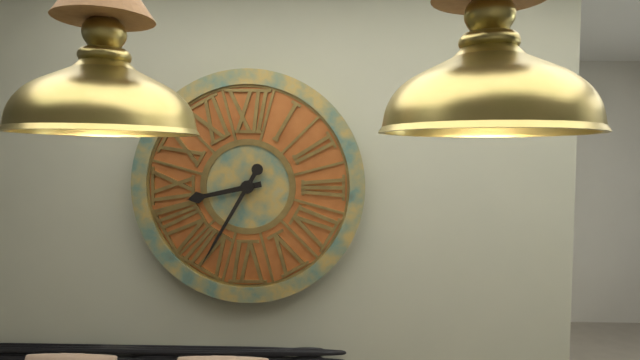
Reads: 8:35
